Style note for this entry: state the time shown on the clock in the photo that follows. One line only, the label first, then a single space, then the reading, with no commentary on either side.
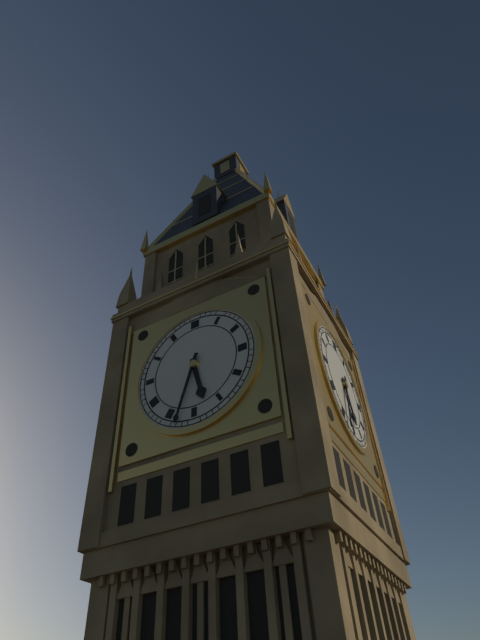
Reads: 5:33
